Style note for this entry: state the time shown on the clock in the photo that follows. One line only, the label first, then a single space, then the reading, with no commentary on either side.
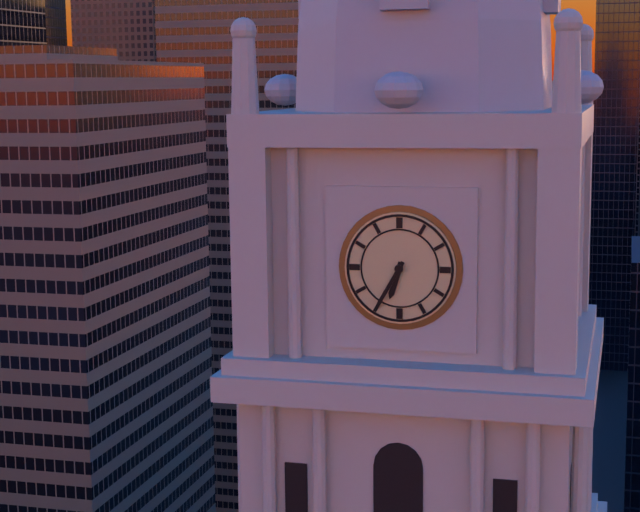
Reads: 6:35
